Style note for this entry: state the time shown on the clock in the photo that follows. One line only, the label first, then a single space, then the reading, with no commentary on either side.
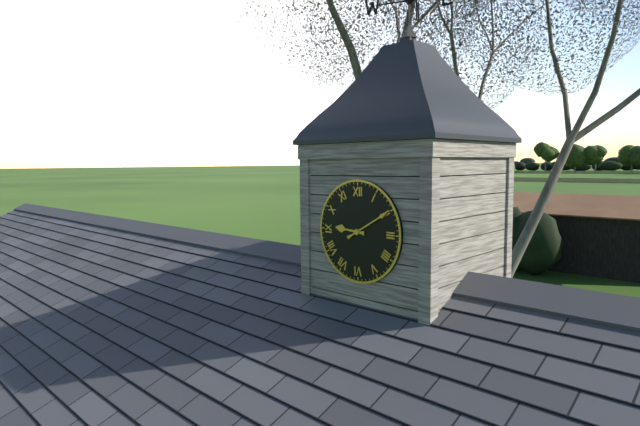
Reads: 9:10
